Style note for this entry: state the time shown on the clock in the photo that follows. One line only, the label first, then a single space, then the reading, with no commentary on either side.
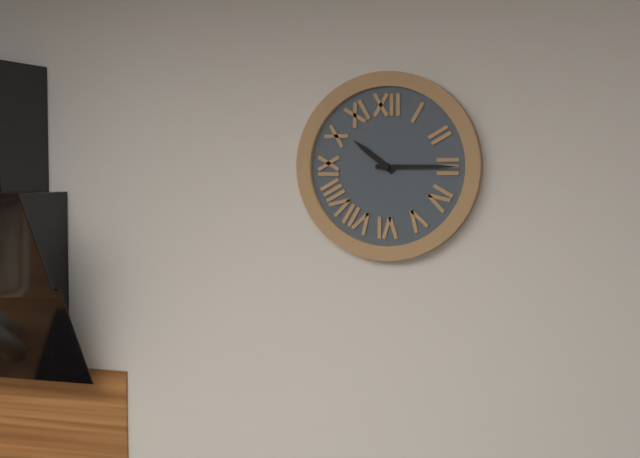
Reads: 10:15
